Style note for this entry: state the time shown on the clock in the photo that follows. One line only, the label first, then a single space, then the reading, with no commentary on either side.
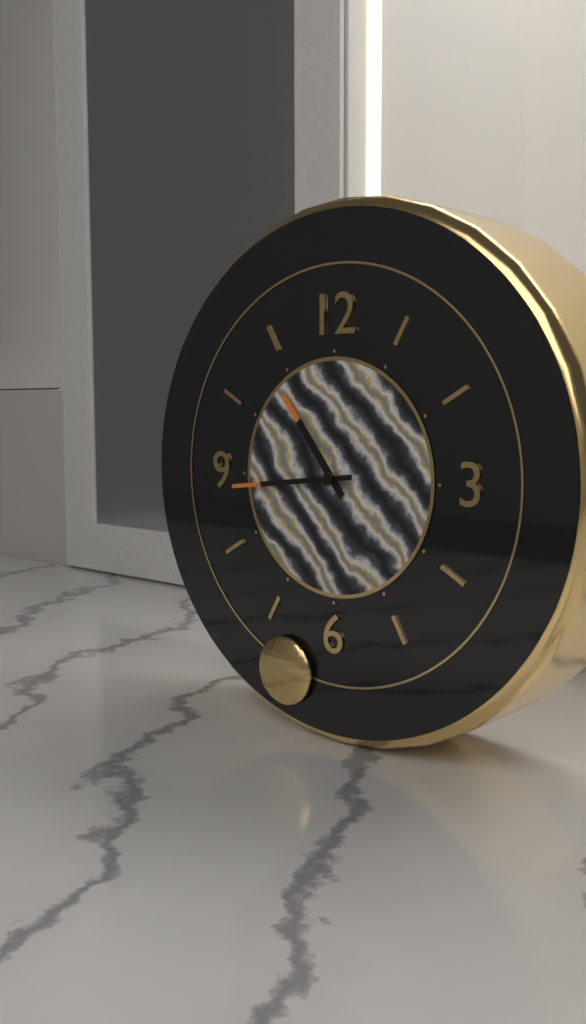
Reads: 10:44
